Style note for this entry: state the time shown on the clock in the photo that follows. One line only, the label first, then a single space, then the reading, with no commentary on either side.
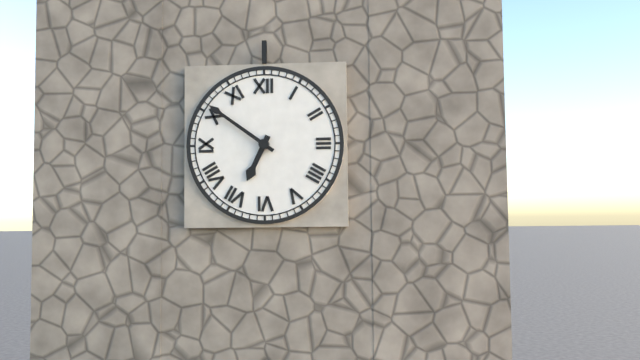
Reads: 6:51
